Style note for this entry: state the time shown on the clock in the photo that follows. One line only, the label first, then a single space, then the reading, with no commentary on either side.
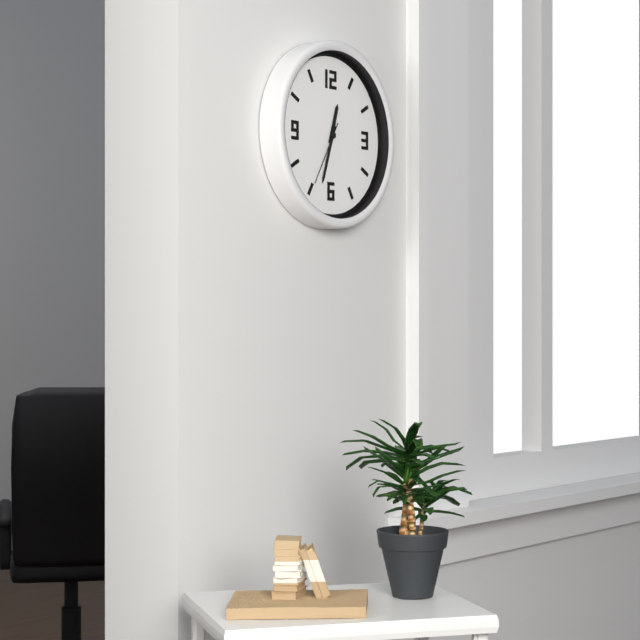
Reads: 12:33:35
